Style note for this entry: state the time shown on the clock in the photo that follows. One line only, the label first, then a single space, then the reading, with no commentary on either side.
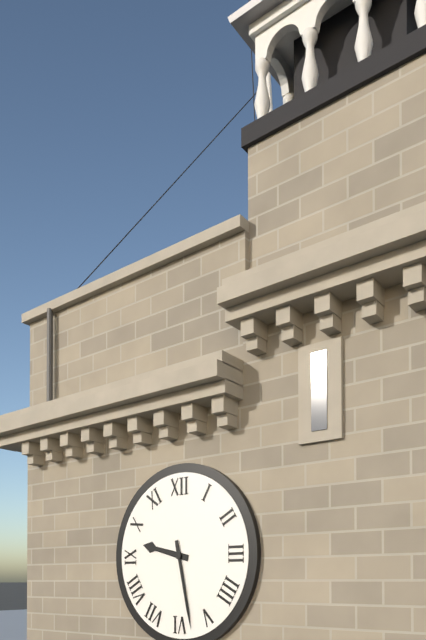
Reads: 9:28
